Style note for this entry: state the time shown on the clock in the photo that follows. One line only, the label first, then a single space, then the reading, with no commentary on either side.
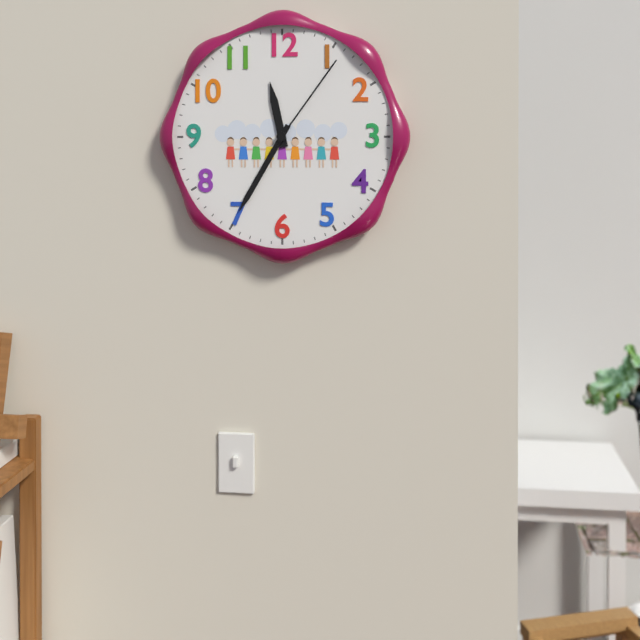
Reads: 11:35:06
